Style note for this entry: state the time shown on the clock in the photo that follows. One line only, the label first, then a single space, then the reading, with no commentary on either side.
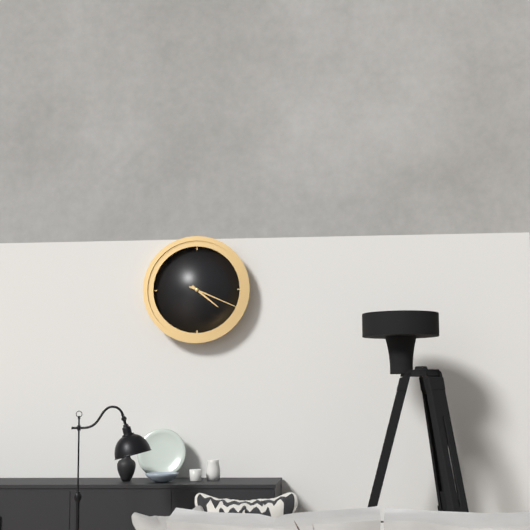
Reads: 4:19
